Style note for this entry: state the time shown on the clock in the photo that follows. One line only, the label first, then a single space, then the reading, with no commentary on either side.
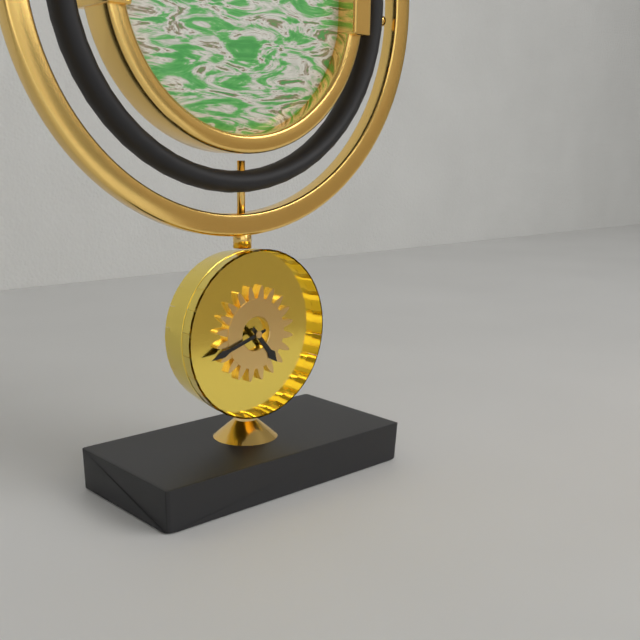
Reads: 4:42
